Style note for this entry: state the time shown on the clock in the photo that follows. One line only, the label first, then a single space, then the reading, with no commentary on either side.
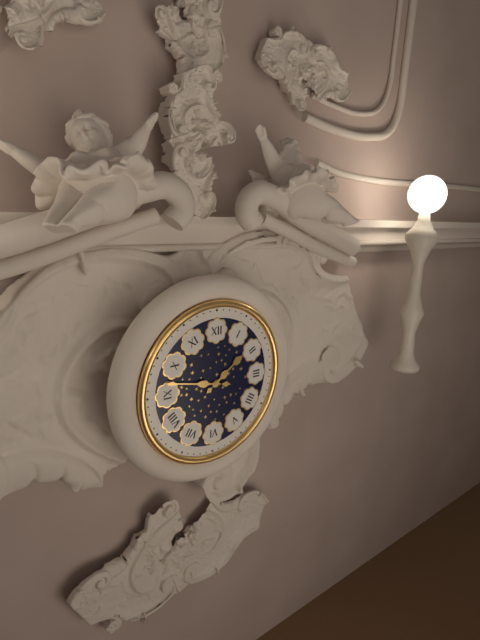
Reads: 1:47
